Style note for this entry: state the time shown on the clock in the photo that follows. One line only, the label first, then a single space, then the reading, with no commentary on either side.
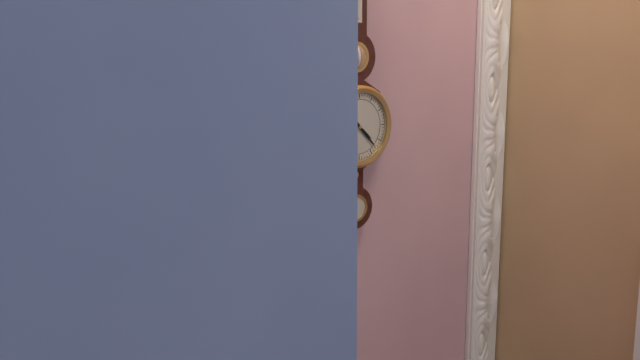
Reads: 4:23
